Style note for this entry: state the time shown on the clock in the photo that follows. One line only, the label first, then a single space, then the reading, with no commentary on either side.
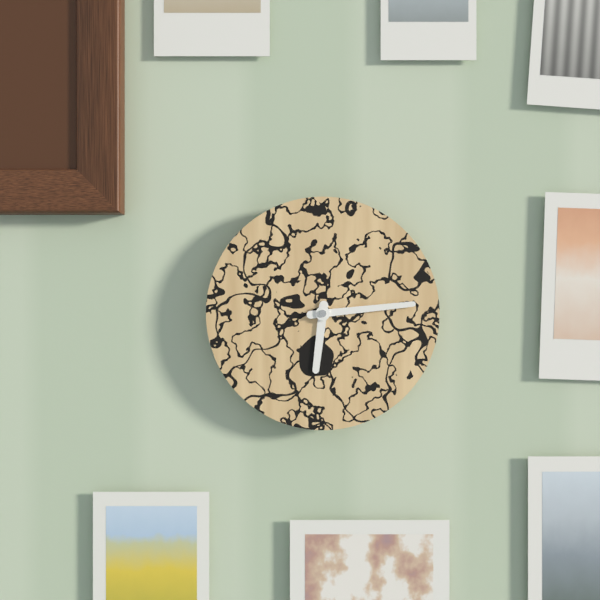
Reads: 6:14
